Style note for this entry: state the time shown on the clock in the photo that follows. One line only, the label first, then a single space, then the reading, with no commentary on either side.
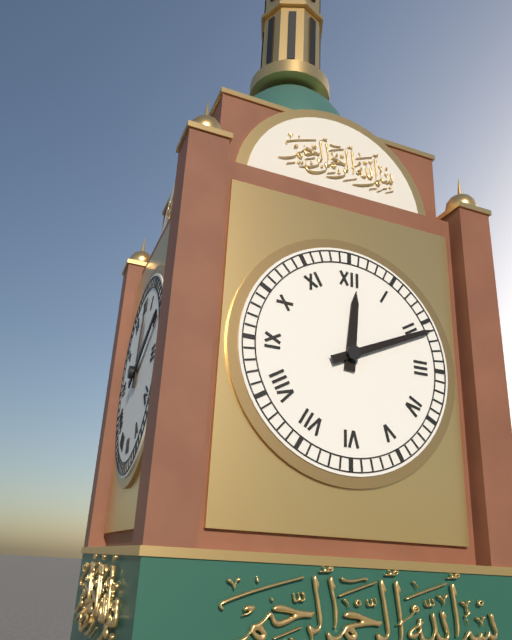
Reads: 12:11
